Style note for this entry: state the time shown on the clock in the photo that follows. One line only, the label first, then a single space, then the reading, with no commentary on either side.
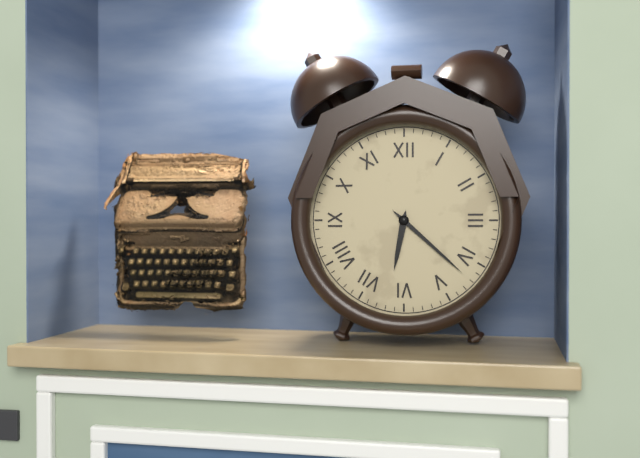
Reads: 6:22
